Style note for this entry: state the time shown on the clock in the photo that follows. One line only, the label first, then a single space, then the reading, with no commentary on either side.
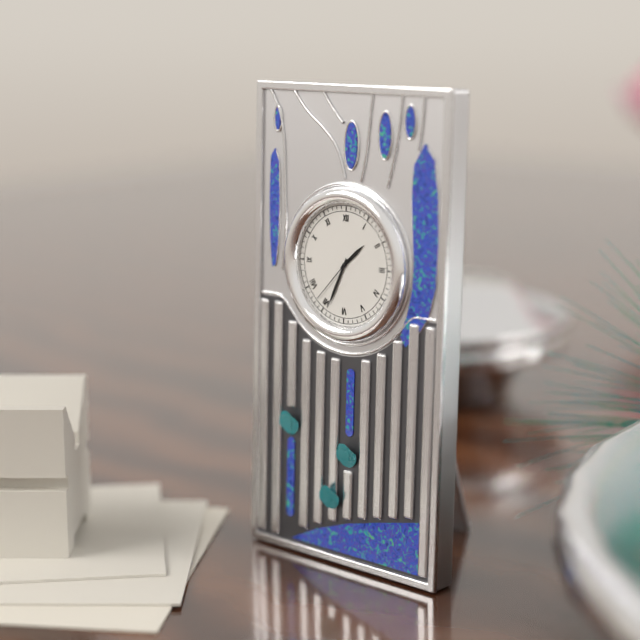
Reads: 1:34:37
